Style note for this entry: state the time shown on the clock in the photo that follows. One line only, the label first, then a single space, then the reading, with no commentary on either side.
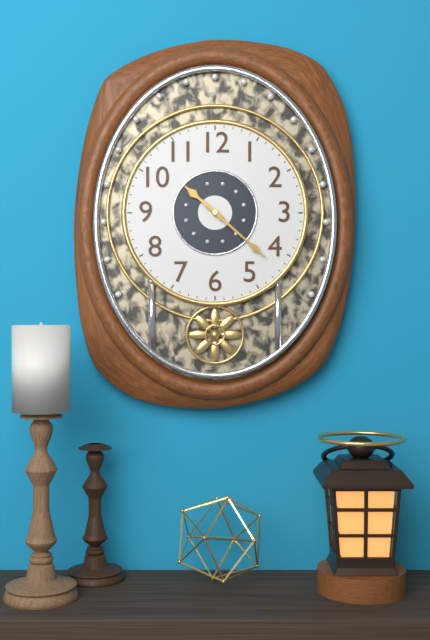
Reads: 10:22
